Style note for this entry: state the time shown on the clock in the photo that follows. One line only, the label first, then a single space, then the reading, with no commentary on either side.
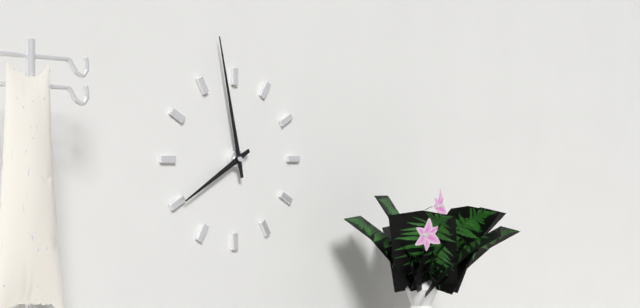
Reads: 7:58
